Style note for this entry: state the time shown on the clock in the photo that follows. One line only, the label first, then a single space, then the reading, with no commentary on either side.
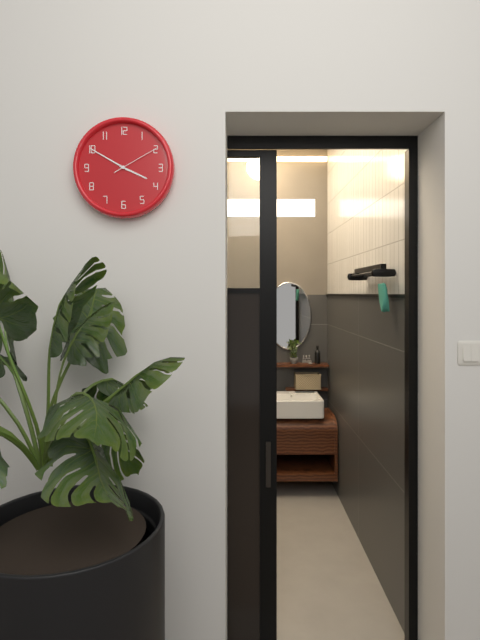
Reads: 3:50
